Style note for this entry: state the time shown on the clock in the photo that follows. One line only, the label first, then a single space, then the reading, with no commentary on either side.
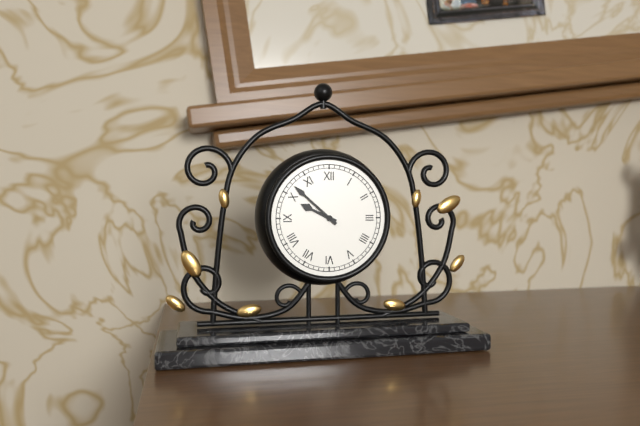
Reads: 9:52
